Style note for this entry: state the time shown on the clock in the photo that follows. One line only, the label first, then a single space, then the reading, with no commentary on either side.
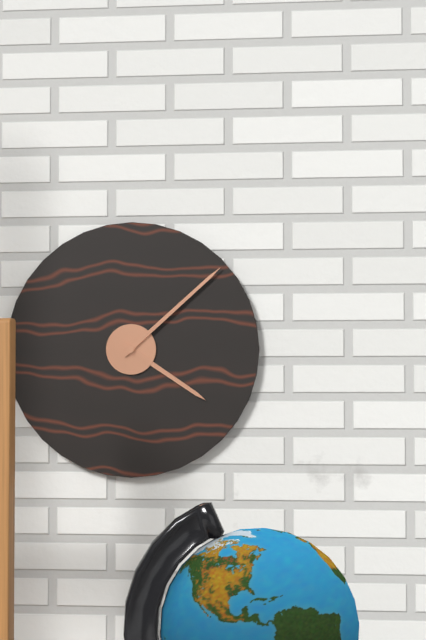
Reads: 4:08
